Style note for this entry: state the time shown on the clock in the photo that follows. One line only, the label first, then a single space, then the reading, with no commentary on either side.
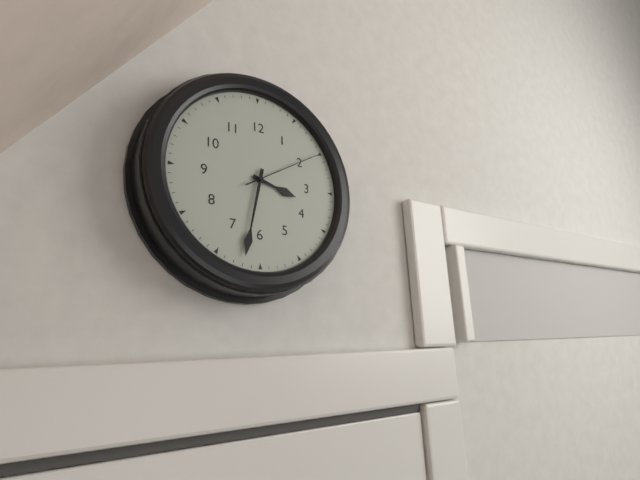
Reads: 3:32:10
